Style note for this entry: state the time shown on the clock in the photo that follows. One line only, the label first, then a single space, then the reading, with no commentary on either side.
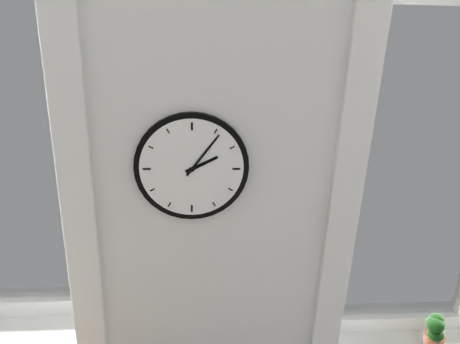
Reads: 2:06
